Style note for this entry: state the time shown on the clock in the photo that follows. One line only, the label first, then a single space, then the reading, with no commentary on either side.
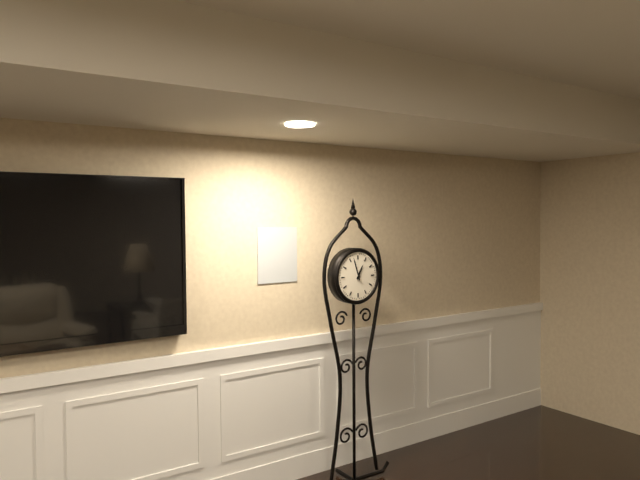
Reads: 12:57
